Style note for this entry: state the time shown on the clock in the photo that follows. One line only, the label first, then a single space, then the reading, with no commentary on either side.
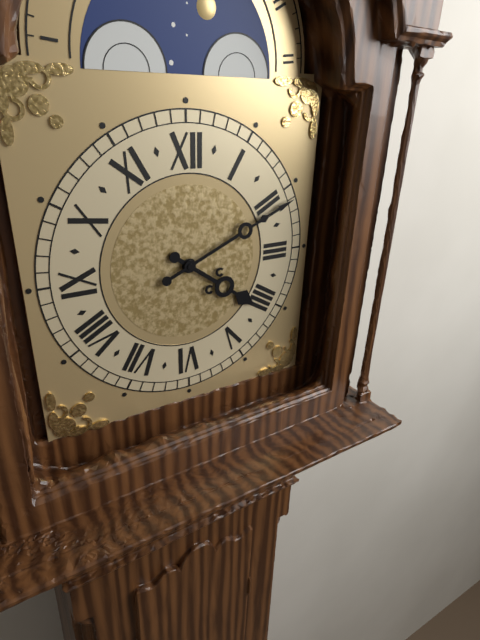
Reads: 4:11
